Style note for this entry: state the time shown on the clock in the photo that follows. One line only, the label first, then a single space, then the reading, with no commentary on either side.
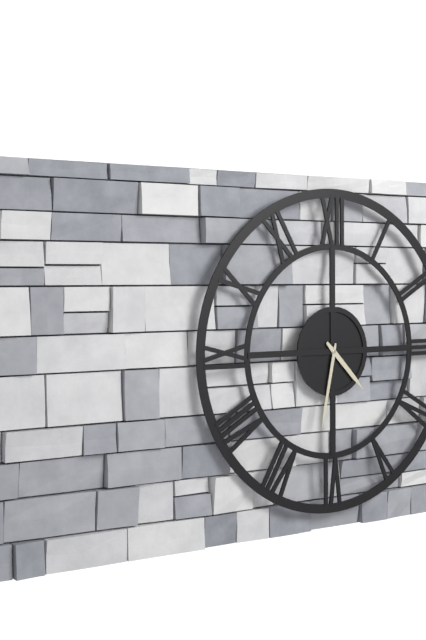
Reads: 4:32
